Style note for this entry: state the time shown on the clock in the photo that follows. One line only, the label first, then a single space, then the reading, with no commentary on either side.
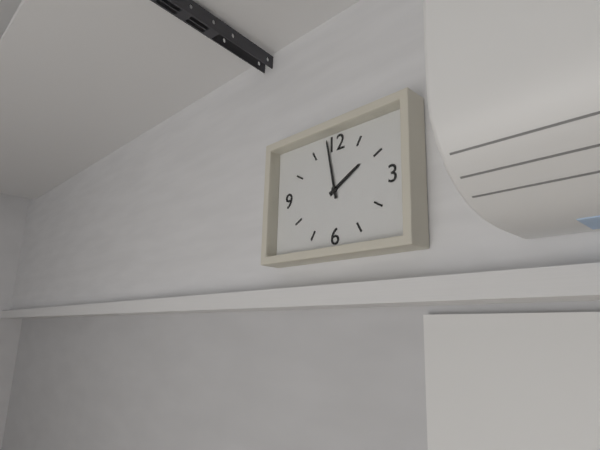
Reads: 1:58
